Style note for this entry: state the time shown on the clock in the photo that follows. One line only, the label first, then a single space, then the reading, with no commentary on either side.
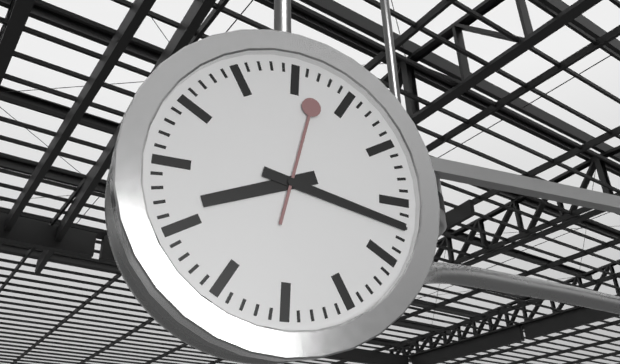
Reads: 8:17:02
